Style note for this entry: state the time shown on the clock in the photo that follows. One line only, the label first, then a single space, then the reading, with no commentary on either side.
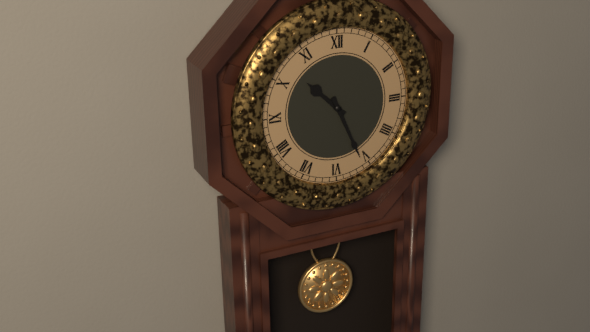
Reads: 10:26
